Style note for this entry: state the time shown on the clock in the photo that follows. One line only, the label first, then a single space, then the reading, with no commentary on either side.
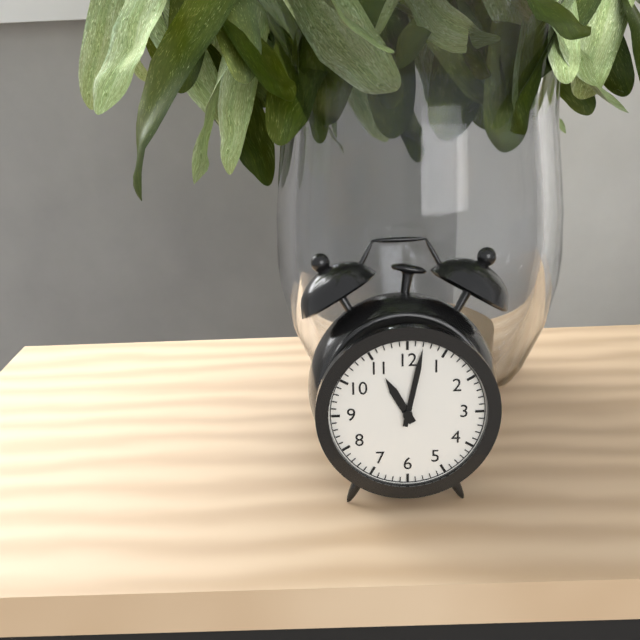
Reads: 11:02
